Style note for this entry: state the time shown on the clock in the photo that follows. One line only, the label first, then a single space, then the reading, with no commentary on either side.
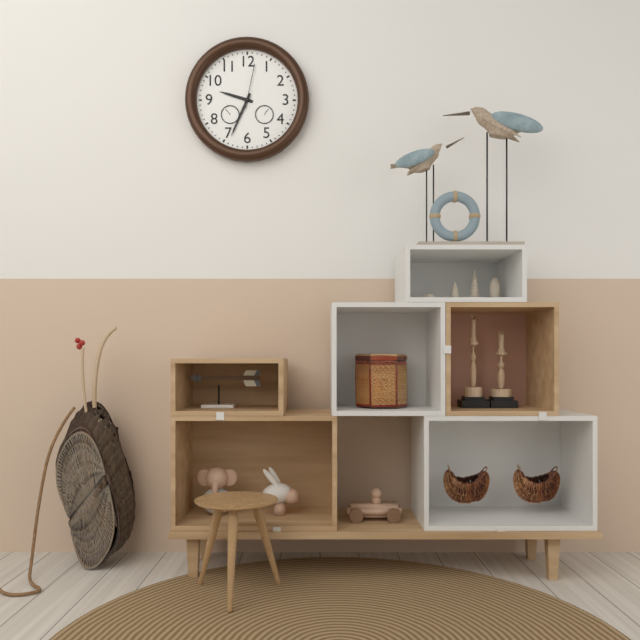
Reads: 9:34
